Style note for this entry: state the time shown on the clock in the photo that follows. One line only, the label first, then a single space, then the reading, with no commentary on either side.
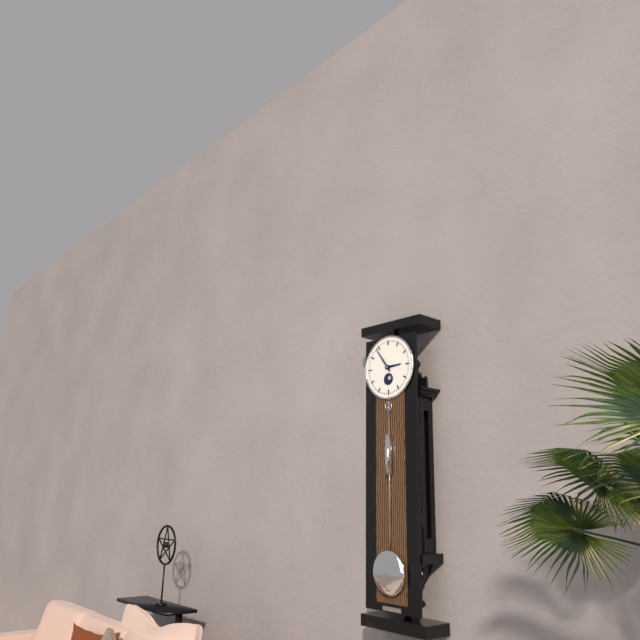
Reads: 2:54
